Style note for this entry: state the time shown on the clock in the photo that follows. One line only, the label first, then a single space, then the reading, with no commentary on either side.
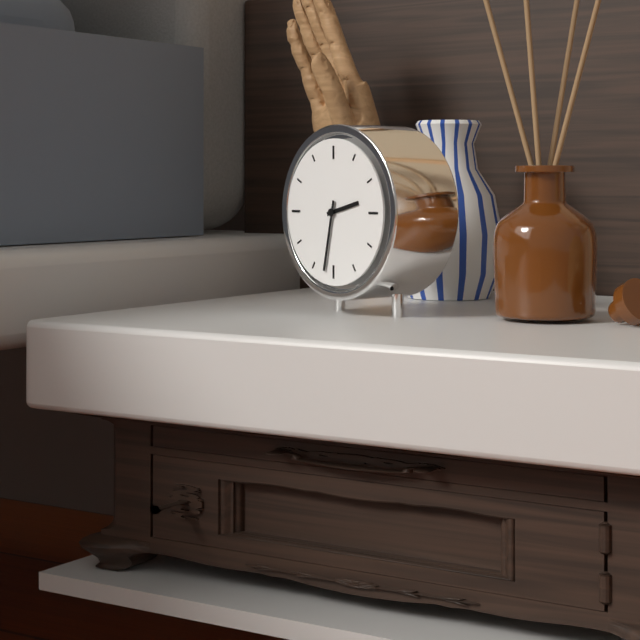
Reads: 2:32
